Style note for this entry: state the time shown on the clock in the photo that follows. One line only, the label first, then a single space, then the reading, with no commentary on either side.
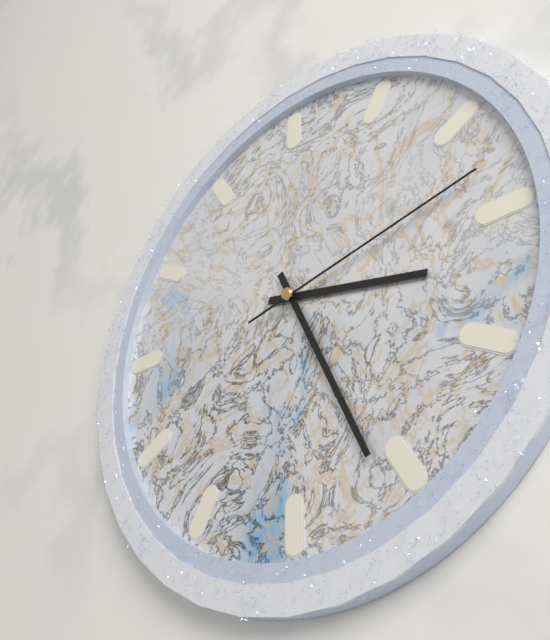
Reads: 3:26:13
